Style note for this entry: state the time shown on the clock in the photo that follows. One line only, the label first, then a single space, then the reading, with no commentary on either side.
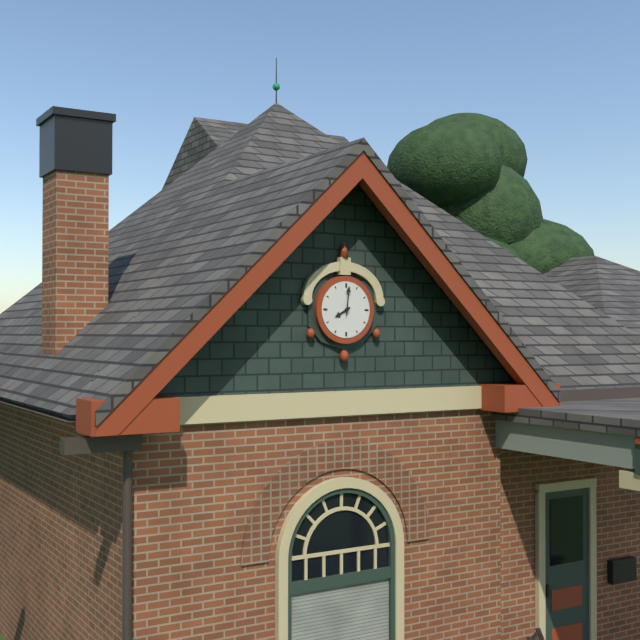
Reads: 8:01
